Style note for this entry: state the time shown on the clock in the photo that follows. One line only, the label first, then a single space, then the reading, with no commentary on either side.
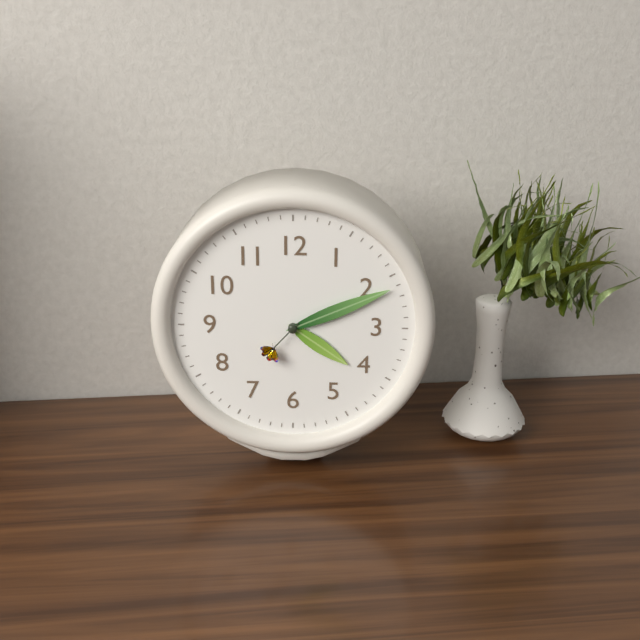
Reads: 4:11:37
